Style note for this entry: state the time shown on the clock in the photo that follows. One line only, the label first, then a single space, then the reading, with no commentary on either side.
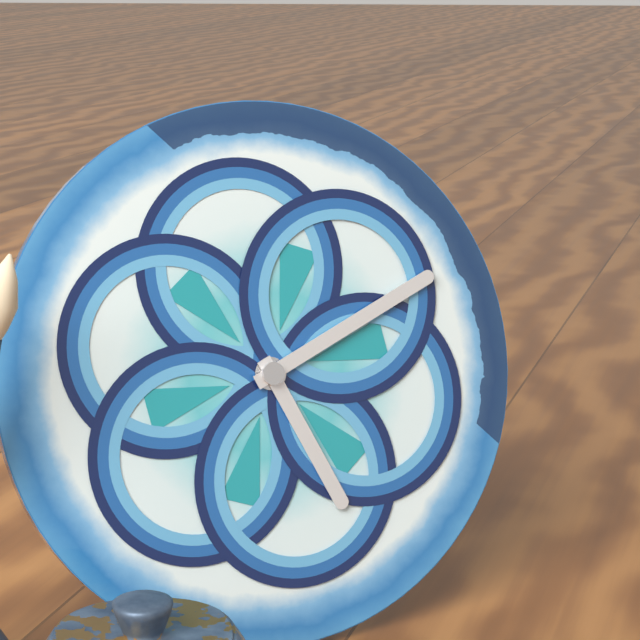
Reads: 5:11
